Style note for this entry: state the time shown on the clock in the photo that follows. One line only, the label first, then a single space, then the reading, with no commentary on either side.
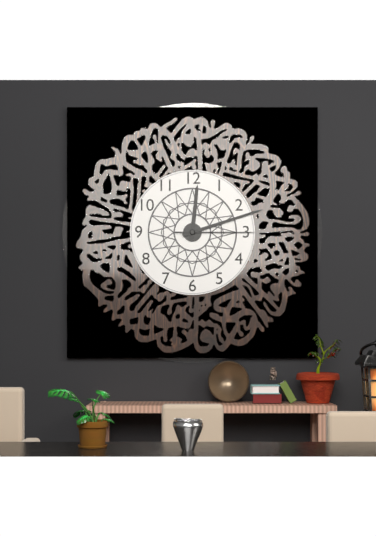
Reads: 12:12:15
